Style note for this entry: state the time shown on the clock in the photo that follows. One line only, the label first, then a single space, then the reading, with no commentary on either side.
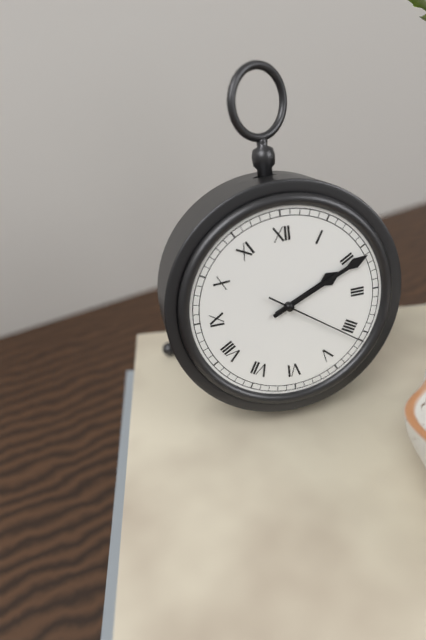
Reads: 2:11:21
